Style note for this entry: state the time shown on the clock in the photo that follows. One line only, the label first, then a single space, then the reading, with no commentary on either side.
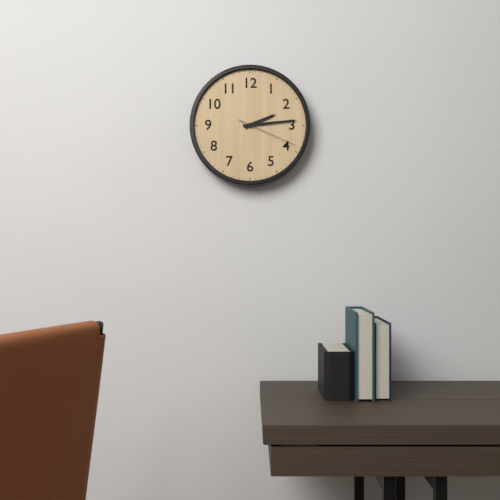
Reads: 2:14:19
